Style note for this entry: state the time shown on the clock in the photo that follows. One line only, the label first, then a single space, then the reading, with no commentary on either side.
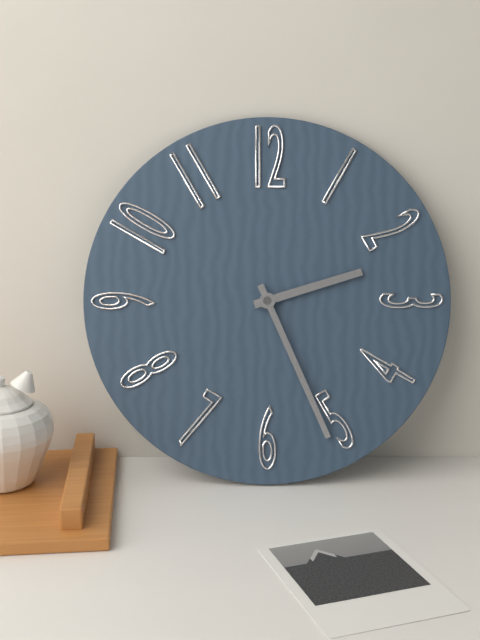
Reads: 2:26
